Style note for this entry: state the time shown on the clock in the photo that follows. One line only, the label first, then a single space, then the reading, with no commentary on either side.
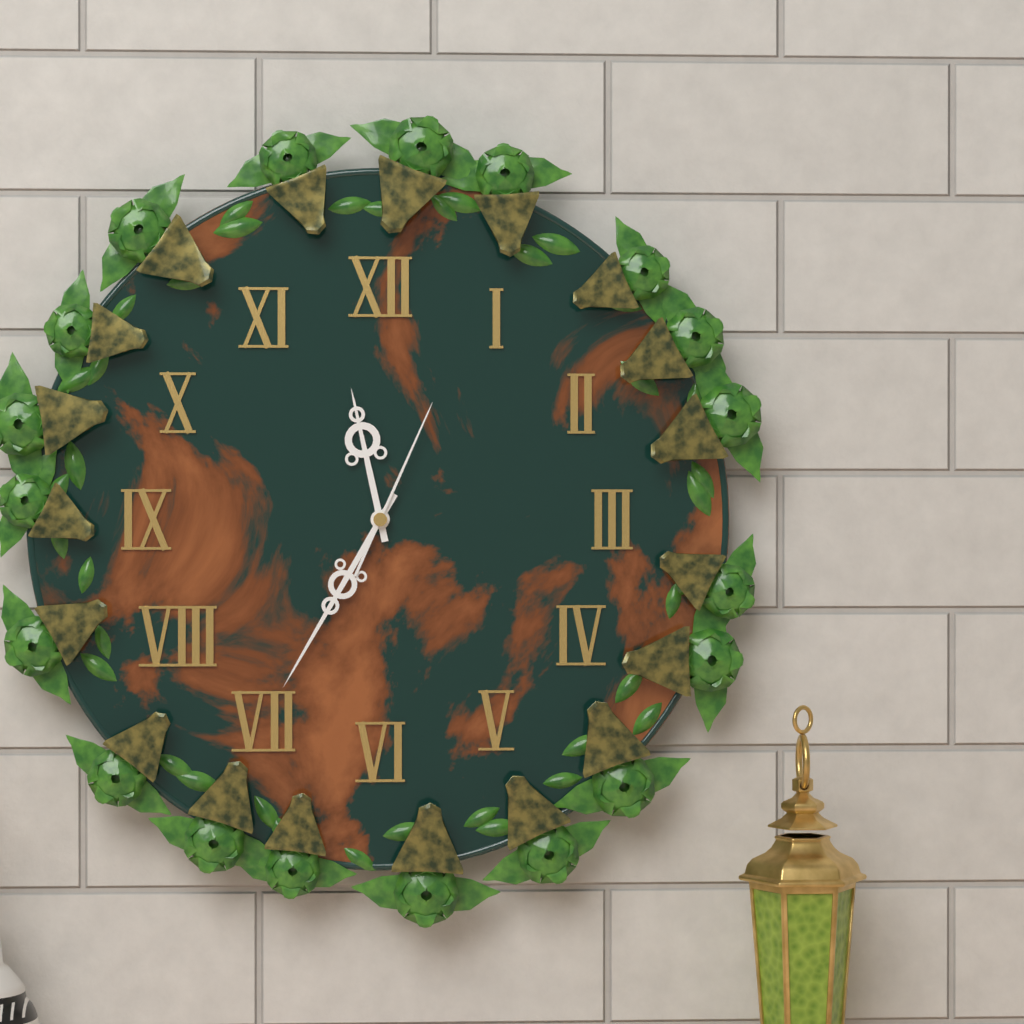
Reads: 11:35:04
